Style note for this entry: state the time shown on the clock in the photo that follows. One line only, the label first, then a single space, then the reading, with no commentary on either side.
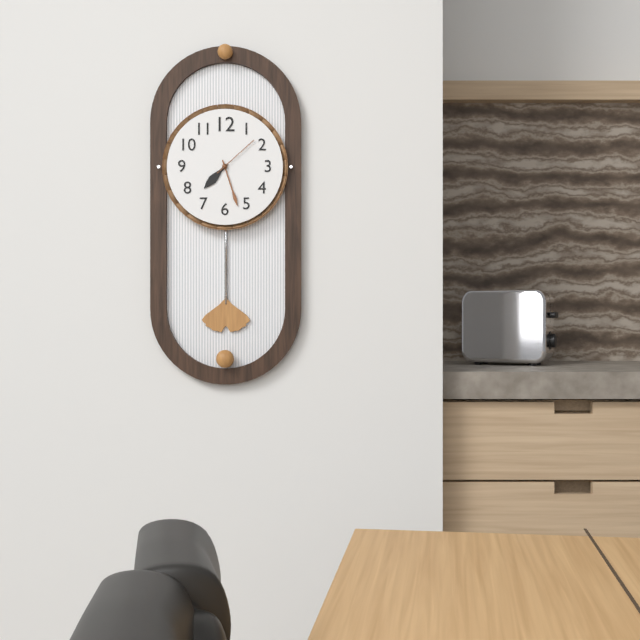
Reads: 7:27:08
